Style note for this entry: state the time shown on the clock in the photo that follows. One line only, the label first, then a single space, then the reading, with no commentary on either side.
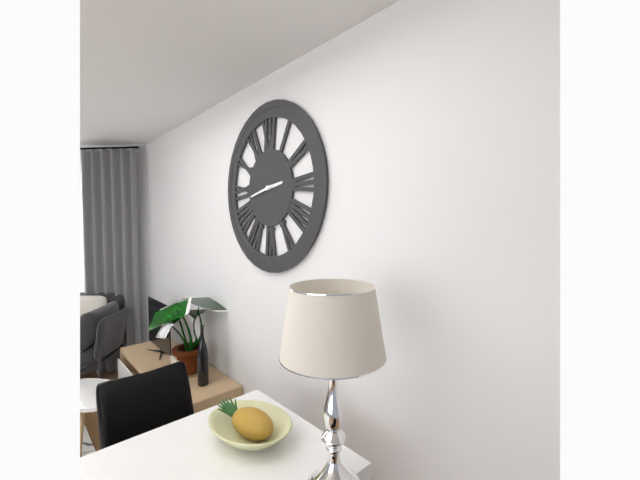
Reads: 2:43
